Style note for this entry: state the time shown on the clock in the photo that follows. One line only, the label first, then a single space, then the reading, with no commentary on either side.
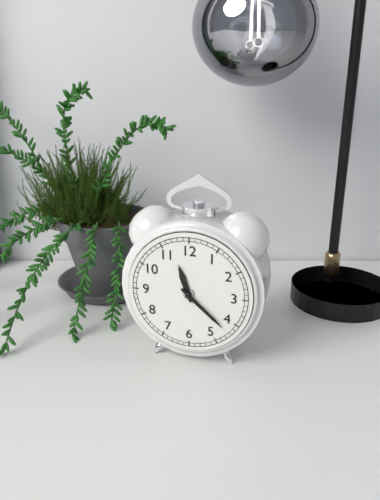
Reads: 11:22
